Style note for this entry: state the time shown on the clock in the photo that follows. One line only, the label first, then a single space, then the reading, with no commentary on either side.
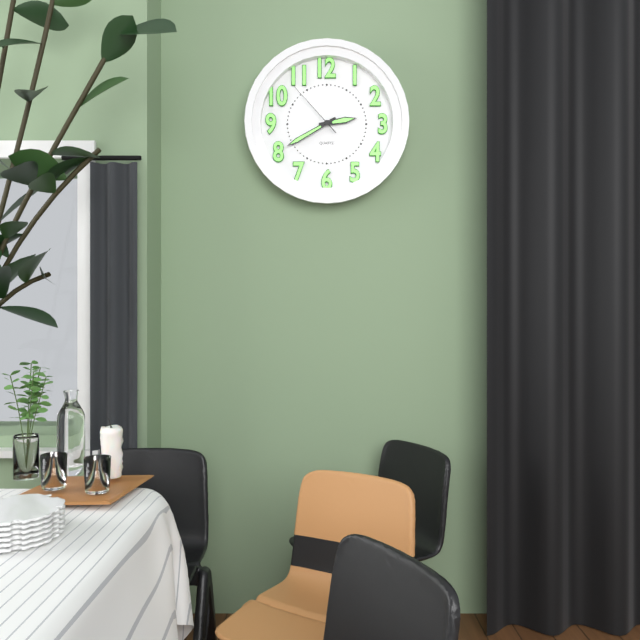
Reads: 2:40:53
